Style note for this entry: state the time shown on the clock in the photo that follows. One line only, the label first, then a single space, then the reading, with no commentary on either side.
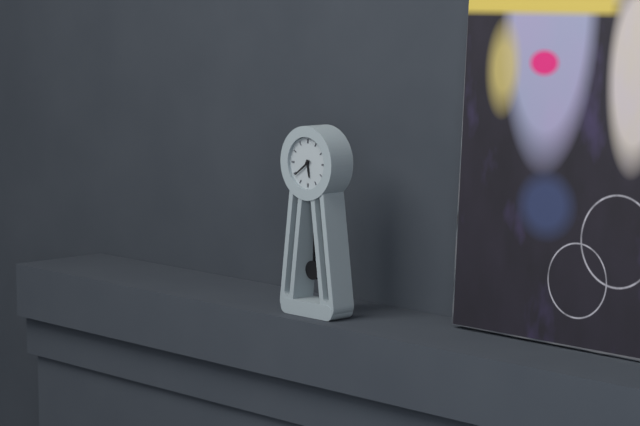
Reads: 5:39
